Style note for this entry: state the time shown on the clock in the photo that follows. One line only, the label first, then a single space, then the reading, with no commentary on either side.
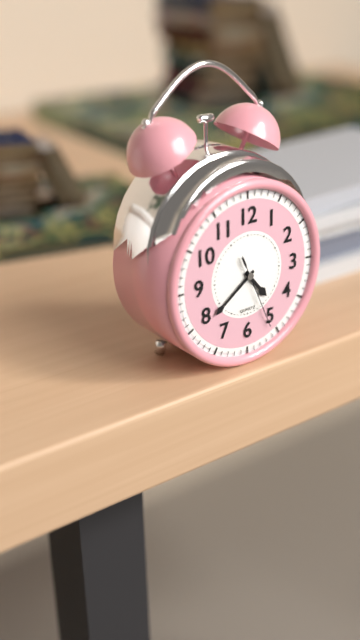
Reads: 4:39:26
